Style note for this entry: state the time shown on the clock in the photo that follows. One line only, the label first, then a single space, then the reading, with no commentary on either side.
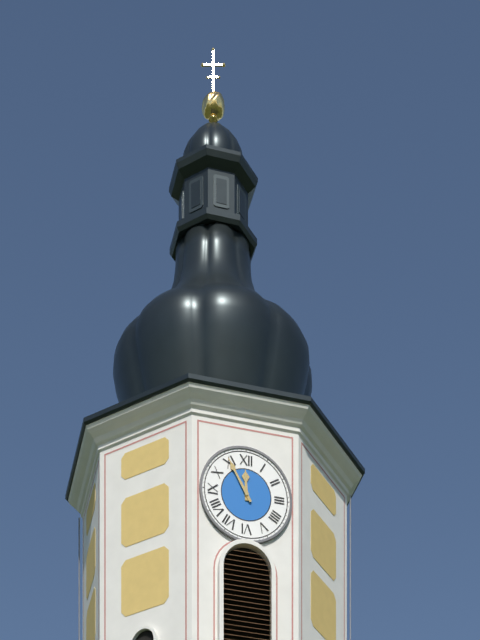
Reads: 11:55
